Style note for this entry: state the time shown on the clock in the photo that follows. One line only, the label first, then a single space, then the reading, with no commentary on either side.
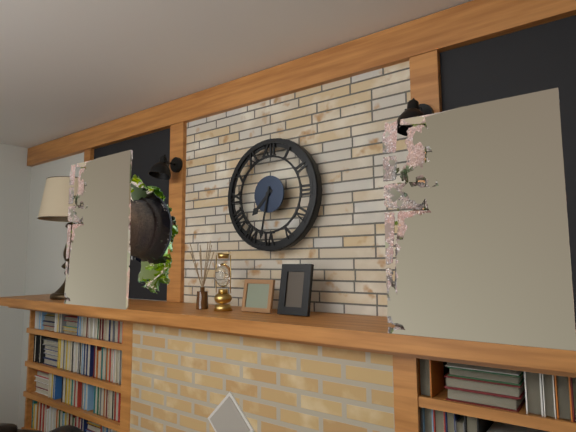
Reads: 7:32
